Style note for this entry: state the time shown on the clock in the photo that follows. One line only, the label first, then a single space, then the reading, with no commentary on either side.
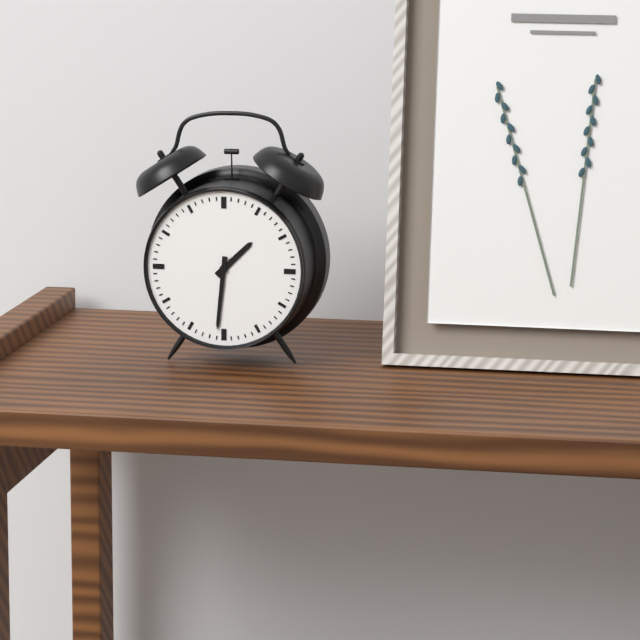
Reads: 1:31
